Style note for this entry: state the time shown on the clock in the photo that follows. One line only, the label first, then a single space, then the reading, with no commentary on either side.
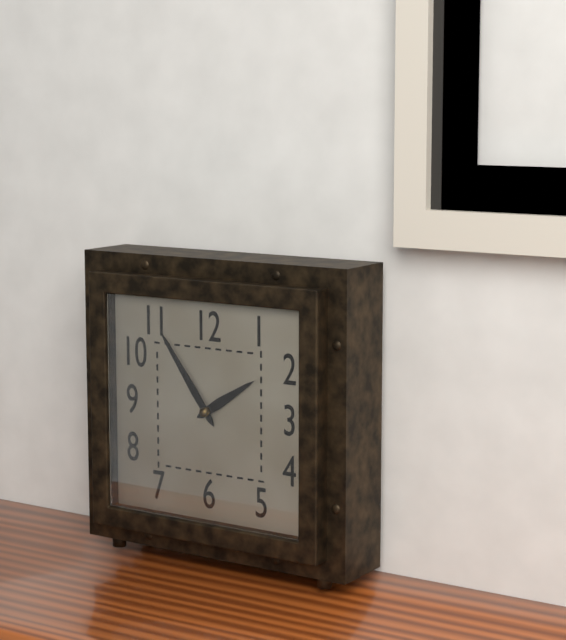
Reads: 1:54
